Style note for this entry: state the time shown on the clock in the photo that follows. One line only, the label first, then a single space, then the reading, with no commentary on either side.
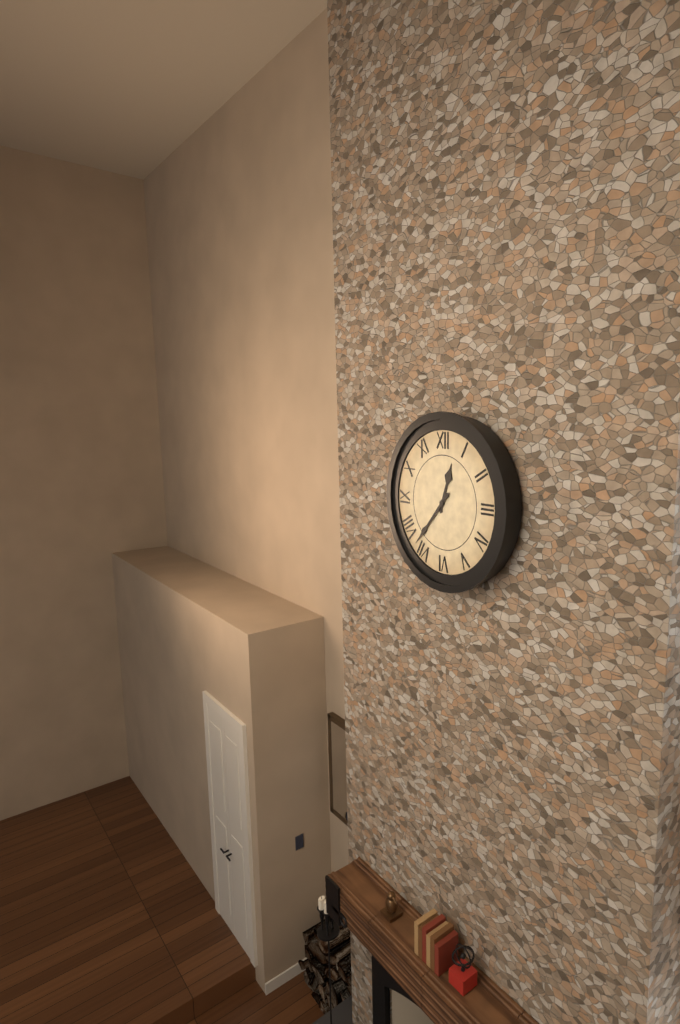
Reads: 12:37
